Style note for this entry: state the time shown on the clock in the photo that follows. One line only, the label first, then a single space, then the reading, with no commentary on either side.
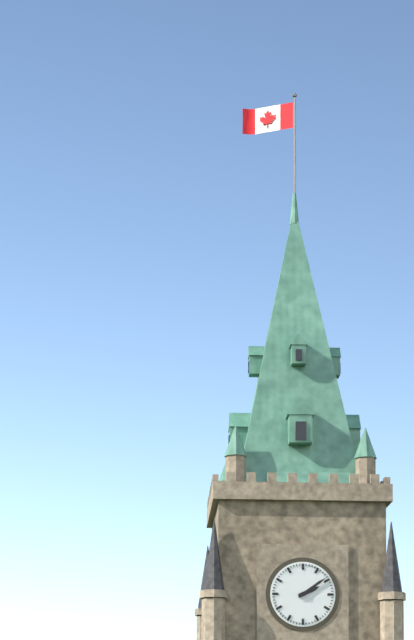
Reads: 2:09
